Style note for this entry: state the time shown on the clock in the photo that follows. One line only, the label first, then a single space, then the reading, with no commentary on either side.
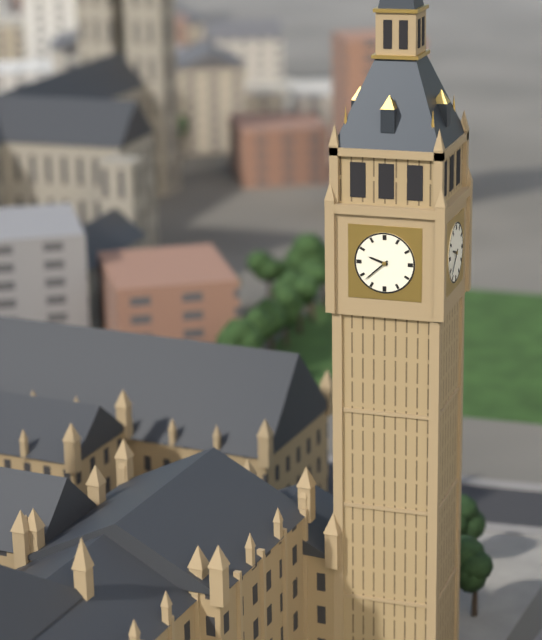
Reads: 9:38
